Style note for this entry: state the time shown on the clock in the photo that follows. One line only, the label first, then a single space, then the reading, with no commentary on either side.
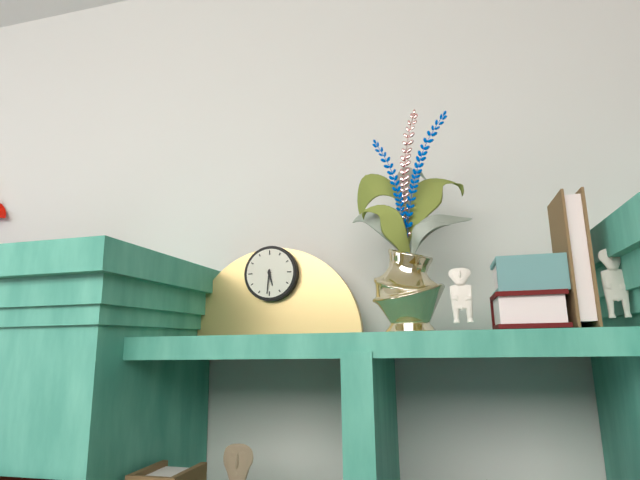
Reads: 5:31
